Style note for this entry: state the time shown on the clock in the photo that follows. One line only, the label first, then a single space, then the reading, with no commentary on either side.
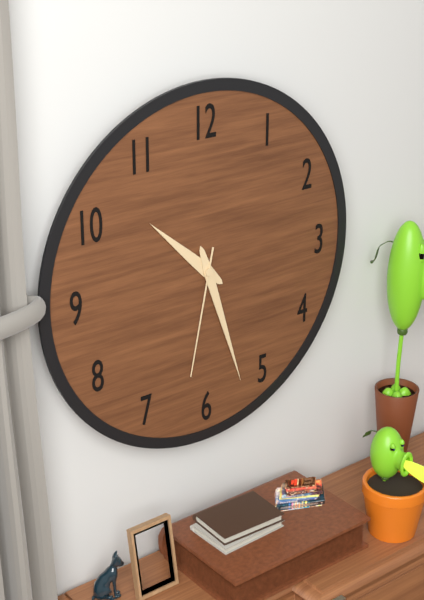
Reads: 10:27:32
